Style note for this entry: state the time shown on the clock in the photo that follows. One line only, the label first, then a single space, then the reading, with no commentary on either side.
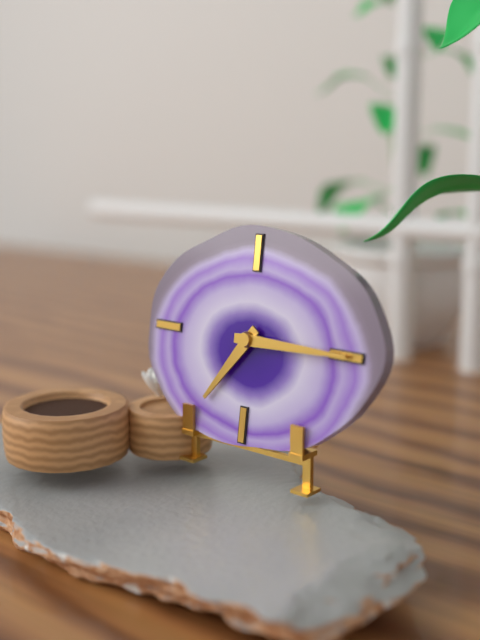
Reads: 7:15
